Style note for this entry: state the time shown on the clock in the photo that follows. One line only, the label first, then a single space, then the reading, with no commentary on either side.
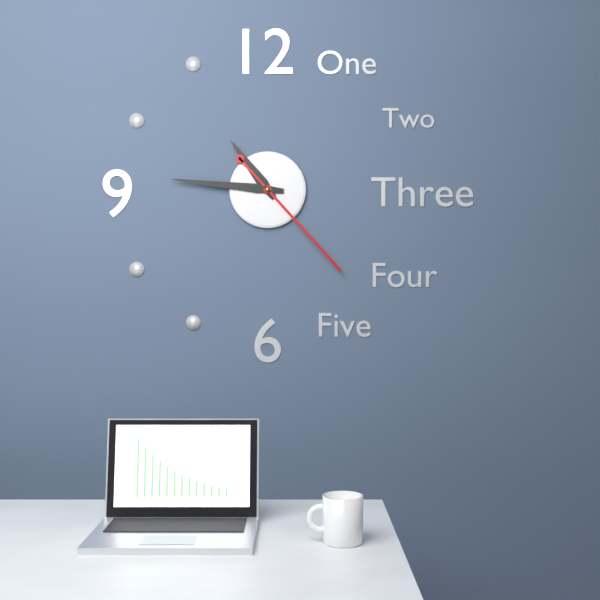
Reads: 10:46:23
